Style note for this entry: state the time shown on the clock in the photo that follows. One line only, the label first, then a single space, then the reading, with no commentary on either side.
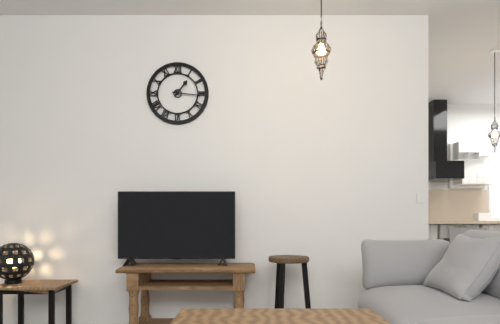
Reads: 1:16
